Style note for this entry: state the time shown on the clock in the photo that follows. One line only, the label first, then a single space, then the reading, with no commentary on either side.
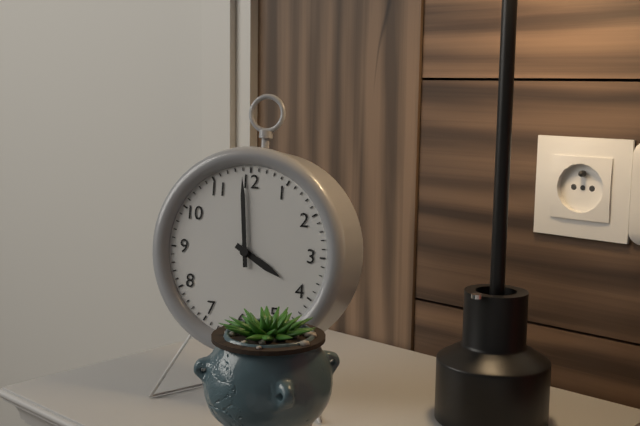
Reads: 3:59
